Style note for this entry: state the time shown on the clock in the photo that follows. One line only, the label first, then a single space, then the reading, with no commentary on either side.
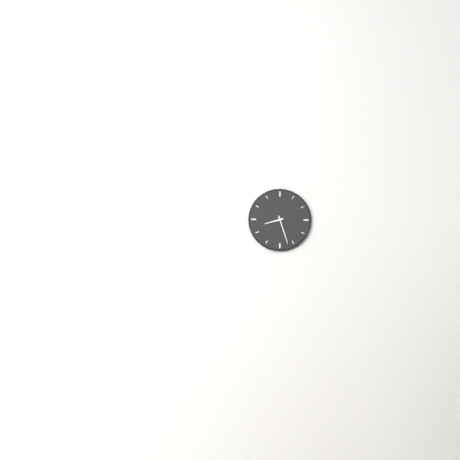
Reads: 8:27
